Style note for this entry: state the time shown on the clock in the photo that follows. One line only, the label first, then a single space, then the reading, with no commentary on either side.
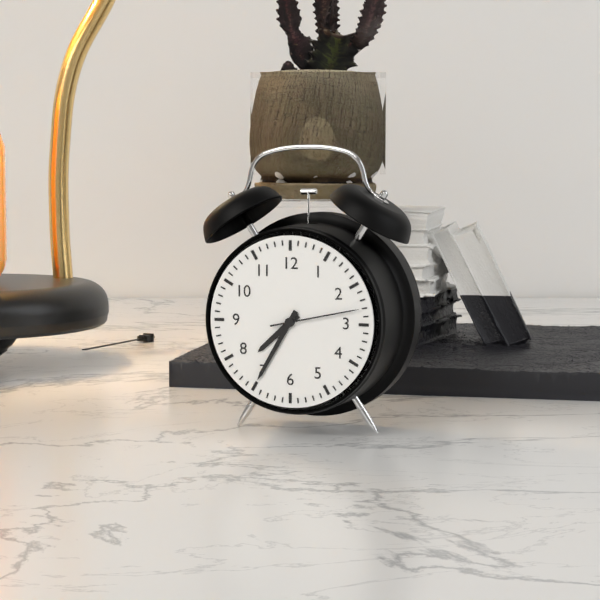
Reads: 7:35:13
